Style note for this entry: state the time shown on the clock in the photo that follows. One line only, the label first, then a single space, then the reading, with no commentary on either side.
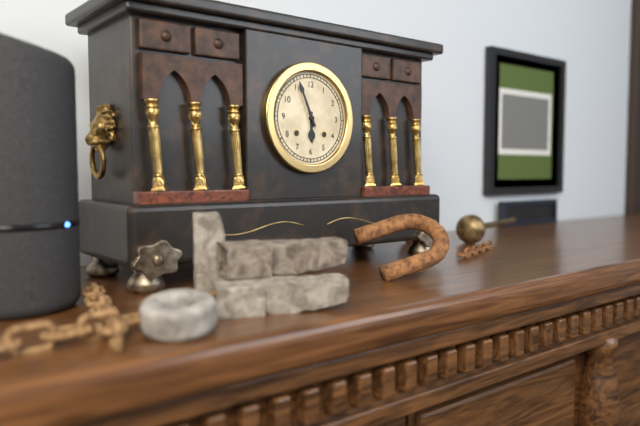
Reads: 5:56
